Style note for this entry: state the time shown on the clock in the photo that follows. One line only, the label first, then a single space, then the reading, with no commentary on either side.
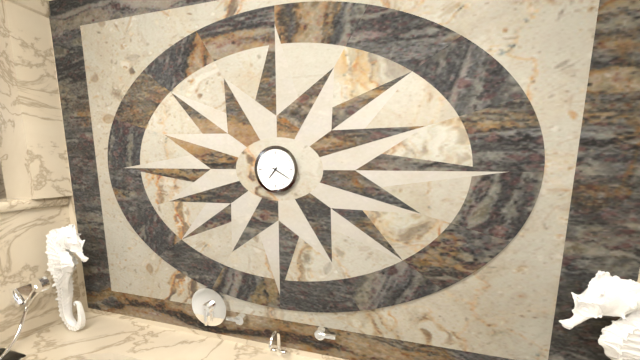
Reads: 7:20
